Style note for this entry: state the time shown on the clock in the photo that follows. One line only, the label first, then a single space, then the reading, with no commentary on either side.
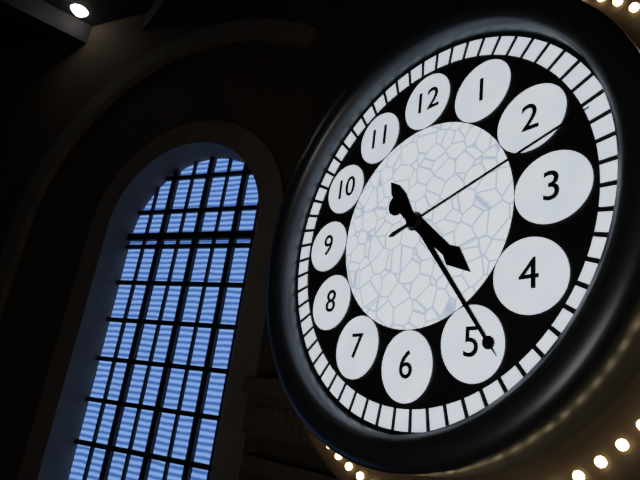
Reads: 4:24:12
